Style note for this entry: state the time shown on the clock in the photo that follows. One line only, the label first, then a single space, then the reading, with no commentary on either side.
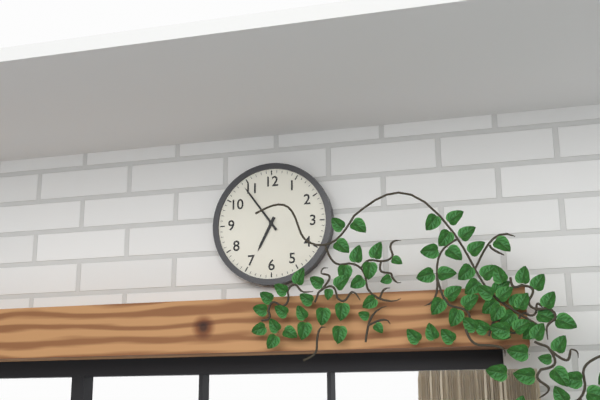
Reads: 6:54
